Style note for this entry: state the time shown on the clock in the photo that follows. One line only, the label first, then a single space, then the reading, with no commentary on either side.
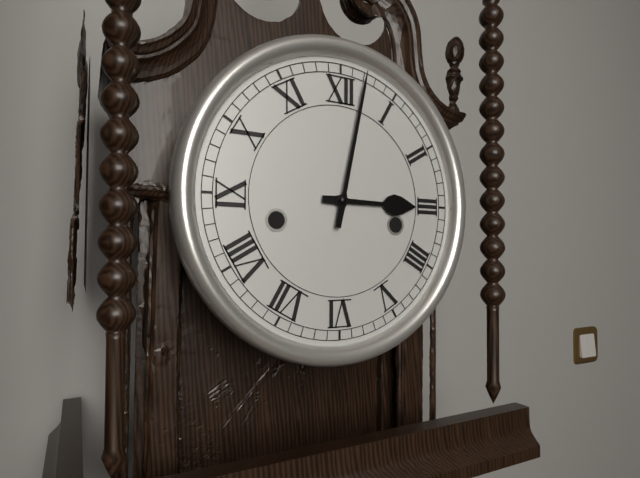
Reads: 3:02
